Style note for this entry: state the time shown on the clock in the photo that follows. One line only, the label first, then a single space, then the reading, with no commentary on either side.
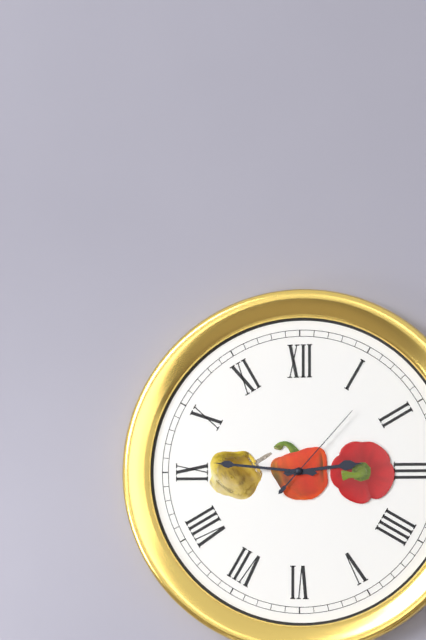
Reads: 2:46:07
